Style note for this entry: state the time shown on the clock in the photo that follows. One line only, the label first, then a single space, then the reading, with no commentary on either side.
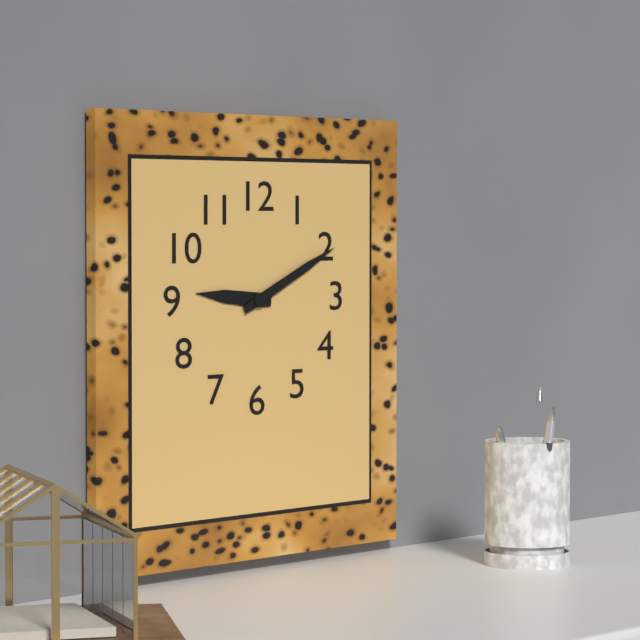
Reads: 9:11
